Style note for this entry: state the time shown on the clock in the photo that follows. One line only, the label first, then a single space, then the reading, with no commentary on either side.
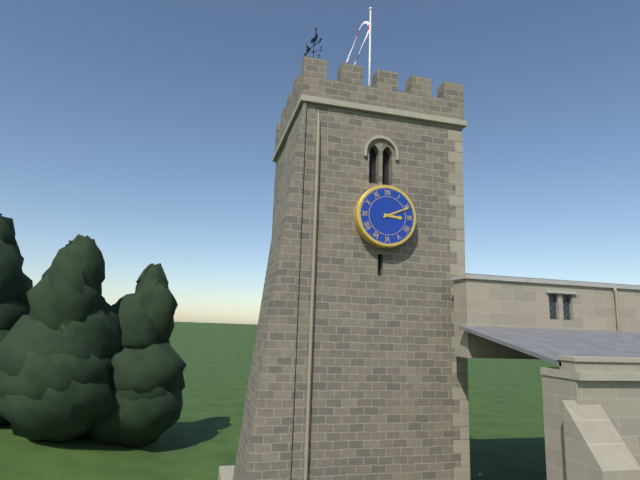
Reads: 3:11
